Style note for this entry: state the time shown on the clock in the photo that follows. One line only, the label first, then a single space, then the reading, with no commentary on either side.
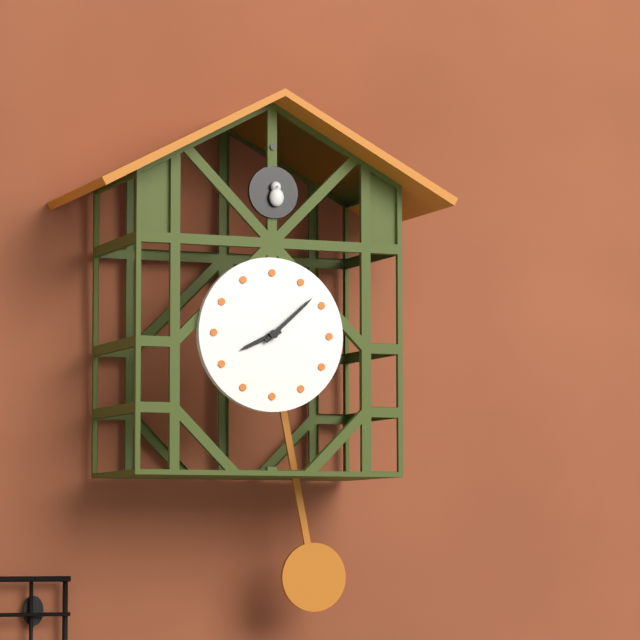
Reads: 8:08
